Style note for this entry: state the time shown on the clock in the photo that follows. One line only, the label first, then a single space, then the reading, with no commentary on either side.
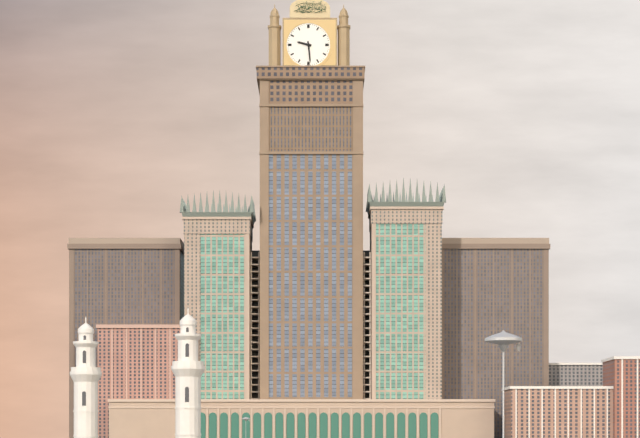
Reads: 9:29
